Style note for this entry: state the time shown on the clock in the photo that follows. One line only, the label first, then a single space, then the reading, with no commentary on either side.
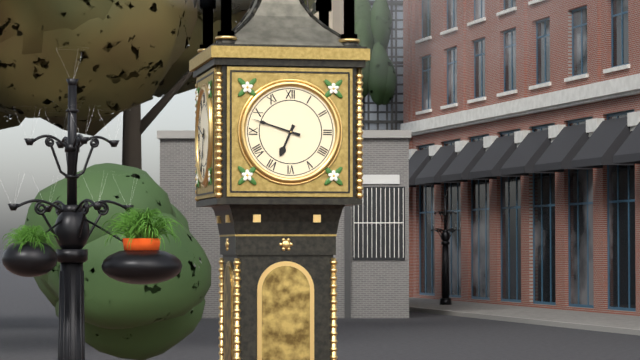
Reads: 6:48
